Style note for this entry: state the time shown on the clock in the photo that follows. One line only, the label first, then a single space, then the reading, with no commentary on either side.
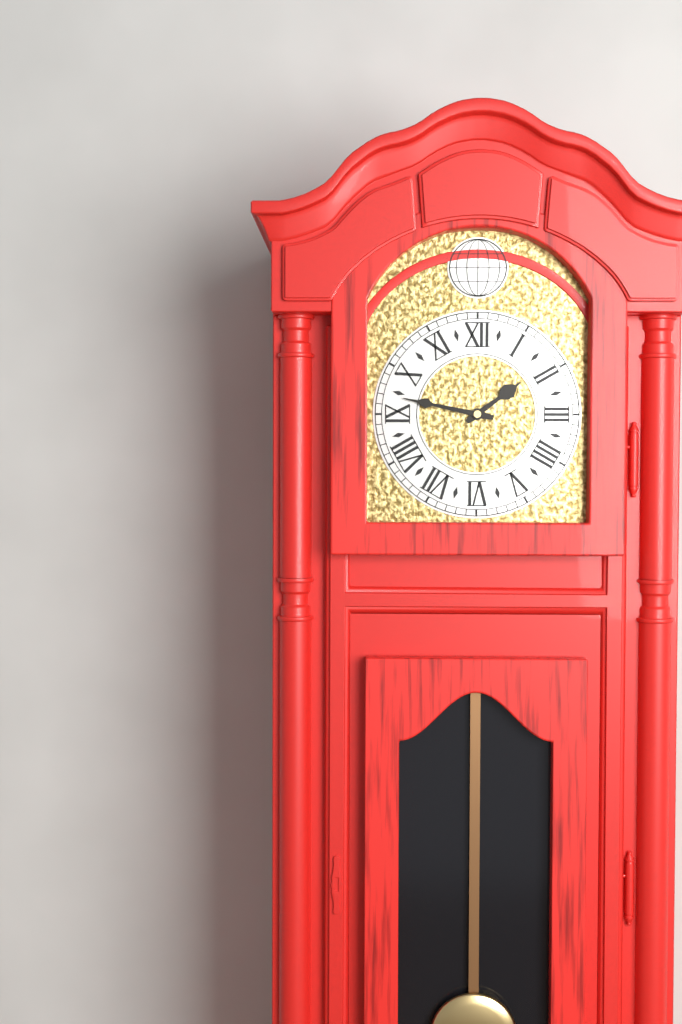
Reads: 1:47
